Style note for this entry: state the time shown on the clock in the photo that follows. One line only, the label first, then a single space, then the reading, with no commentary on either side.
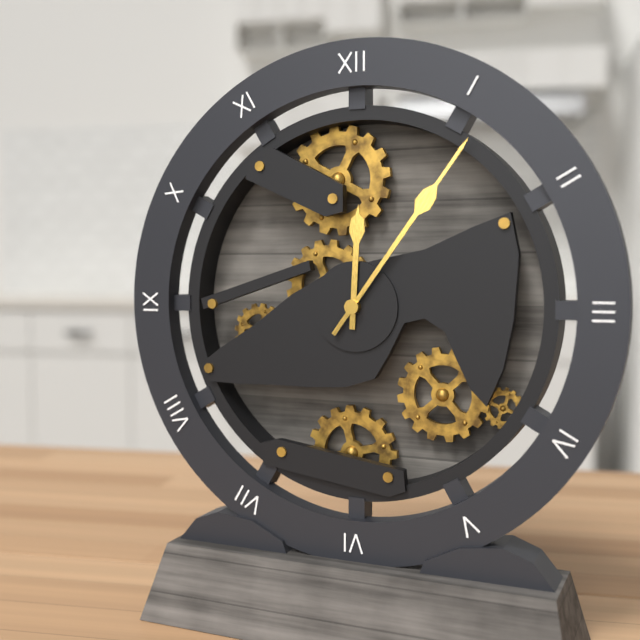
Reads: 12:06
